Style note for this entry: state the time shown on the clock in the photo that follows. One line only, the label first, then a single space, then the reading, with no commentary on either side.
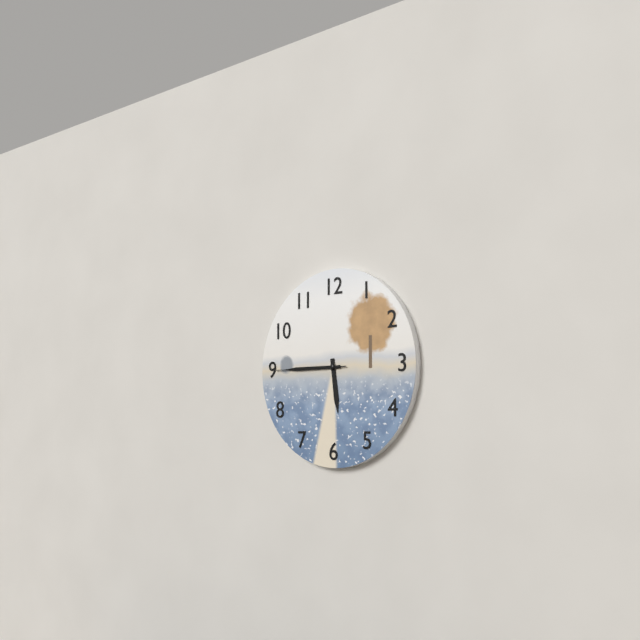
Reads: 5:45:45
